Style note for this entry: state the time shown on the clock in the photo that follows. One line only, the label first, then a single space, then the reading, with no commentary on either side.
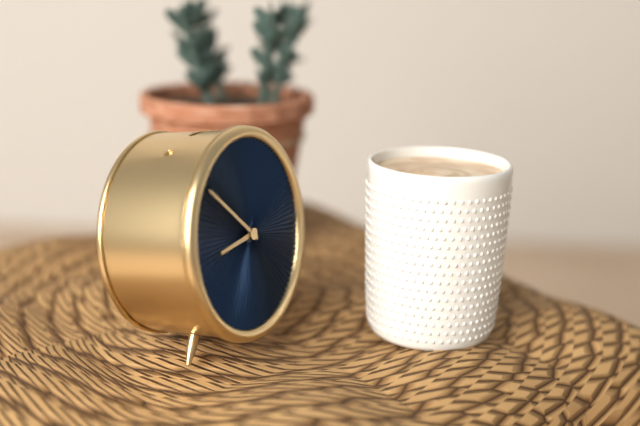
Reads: 8:52
